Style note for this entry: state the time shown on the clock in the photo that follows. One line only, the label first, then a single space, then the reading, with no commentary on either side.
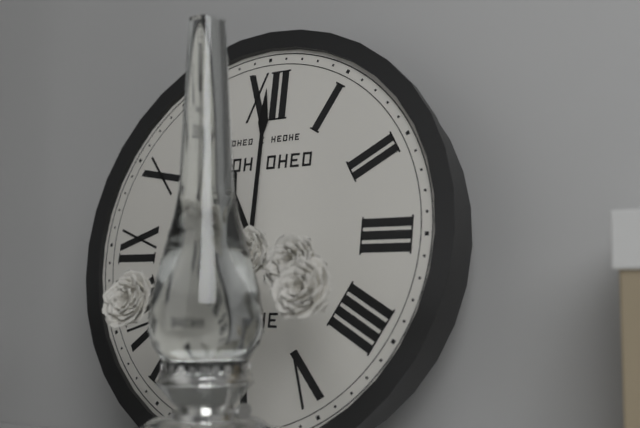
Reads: 11:00
